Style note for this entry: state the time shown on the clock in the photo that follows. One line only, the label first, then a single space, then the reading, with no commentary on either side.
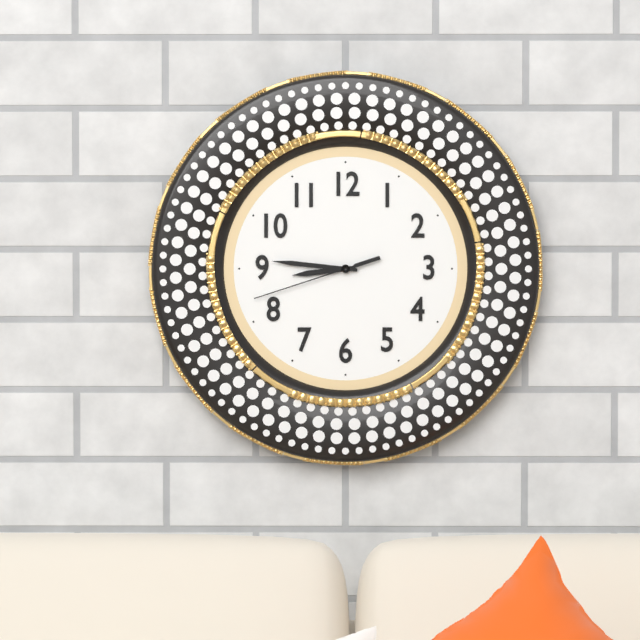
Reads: 8:46:42
